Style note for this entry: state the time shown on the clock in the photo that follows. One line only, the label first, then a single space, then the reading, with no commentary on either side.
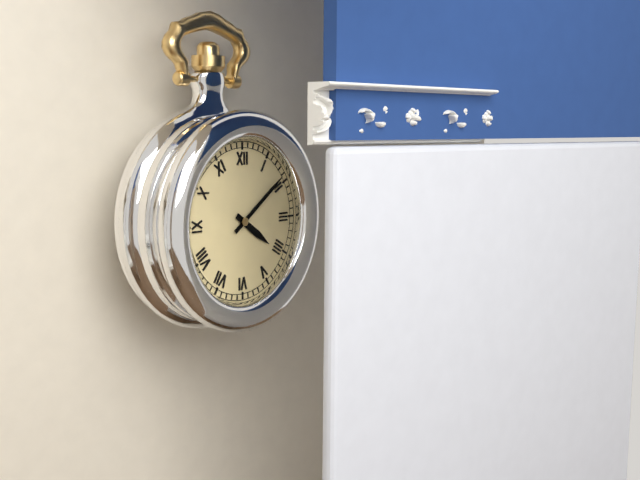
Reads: 4:09
